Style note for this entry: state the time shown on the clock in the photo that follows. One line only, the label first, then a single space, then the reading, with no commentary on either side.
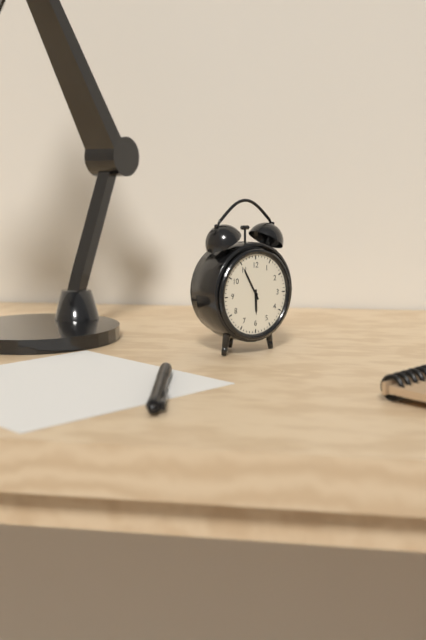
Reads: 5:55
